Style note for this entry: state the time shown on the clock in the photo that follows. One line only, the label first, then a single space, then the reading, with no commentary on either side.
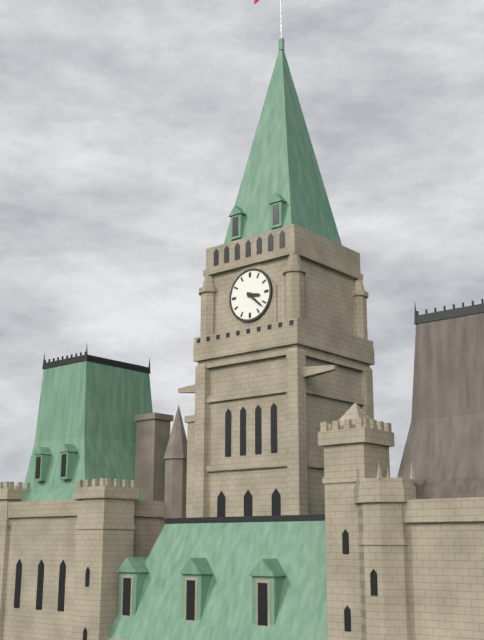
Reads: 3:22
